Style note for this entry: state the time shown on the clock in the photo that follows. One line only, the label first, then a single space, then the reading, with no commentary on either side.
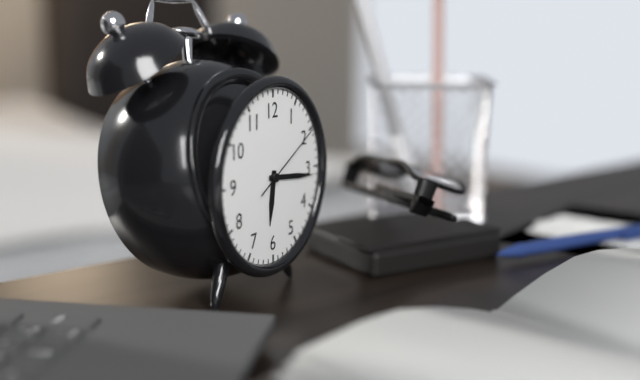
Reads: 6:16:10
